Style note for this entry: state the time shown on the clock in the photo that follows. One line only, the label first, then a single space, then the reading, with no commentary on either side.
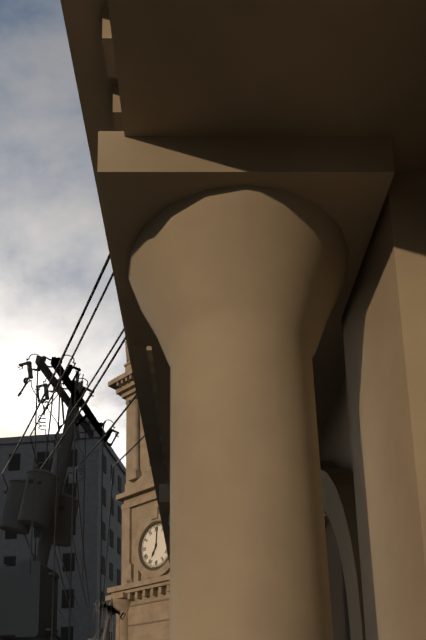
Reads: 7:01
